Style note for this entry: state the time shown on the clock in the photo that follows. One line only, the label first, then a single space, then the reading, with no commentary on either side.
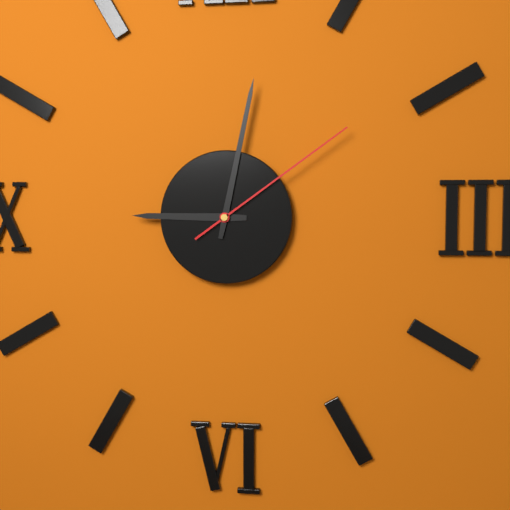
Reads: 9:02:09
